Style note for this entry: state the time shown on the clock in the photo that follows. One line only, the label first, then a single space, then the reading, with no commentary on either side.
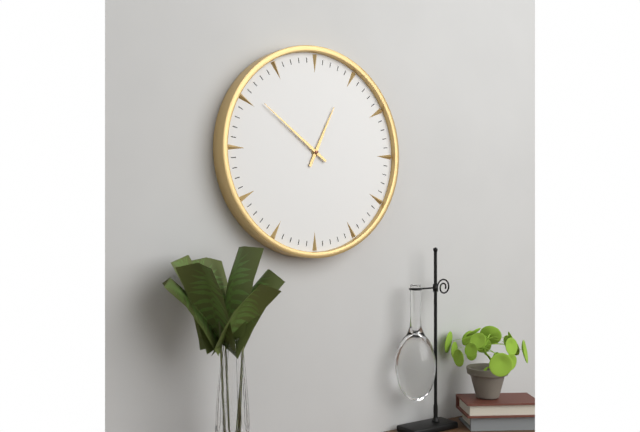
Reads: 12:51
